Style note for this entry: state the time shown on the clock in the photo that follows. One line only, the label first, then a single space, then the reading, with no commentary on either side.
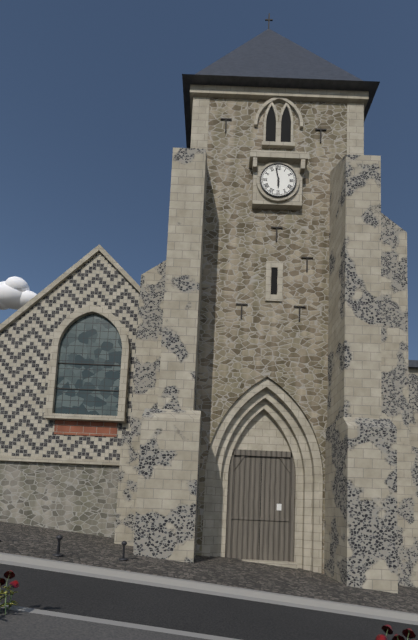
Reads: 5:58
